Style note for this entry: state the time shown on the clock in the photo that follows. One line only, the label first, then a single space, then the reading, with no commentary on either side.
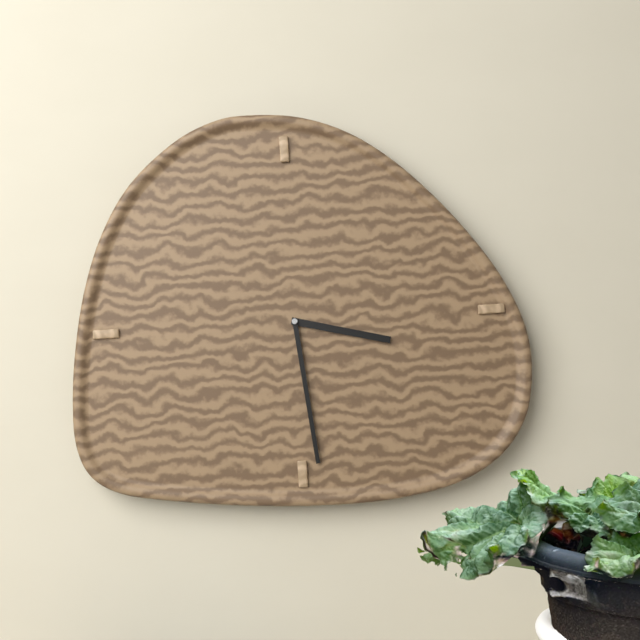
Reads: 3:29
